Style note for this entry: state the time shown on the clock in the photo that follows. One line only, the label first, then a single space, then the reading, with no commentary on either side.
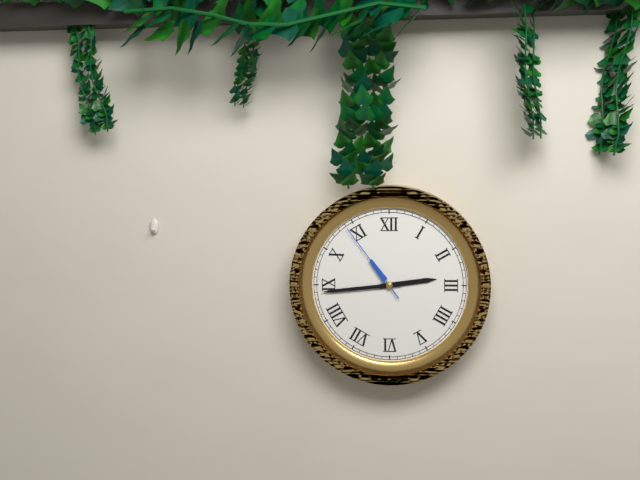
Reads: 2:44:54
